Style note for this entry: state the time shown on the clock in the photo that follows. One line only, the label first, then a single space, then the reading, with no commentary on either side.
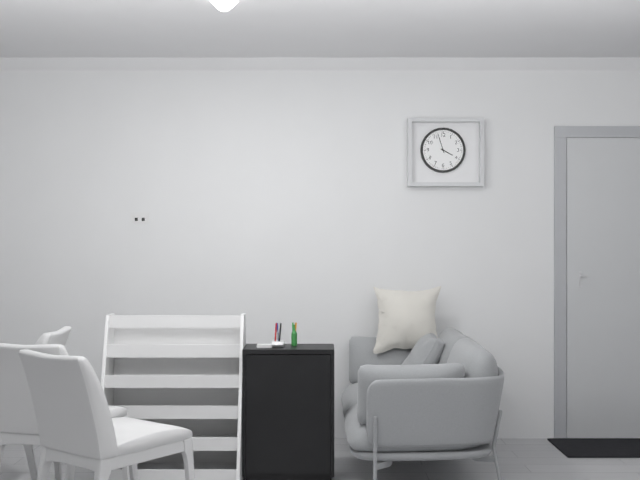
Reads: 3:57
